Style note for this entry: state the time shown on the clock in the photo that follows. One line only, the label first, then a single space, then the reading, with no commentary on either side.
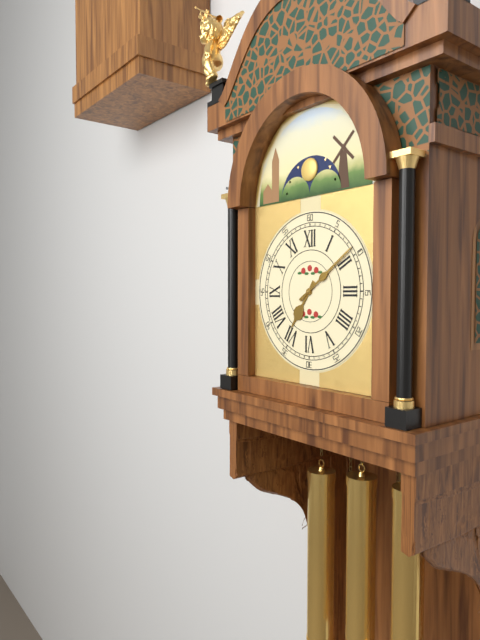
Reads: 7:09
